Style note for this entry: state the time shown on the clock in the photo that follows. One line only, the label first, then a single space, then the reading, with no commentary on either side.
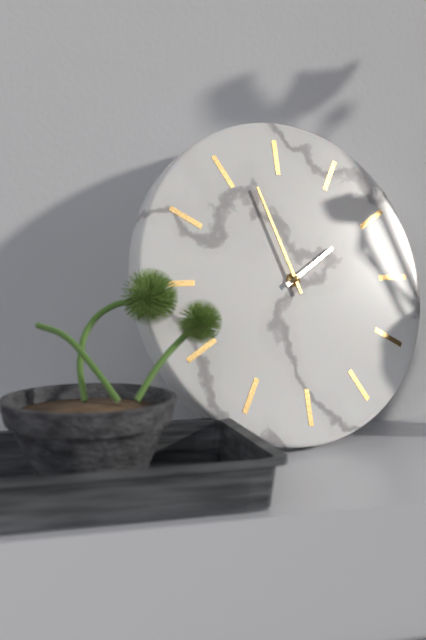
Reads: 1:57
